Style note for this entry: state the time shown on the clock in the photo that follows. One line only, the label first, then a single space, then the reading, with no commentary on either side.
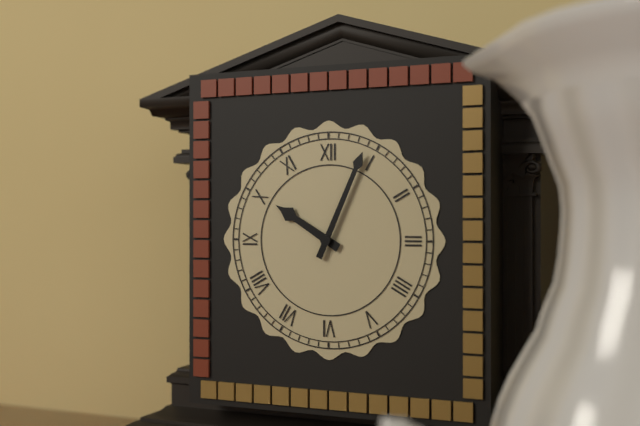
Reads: 10:04
